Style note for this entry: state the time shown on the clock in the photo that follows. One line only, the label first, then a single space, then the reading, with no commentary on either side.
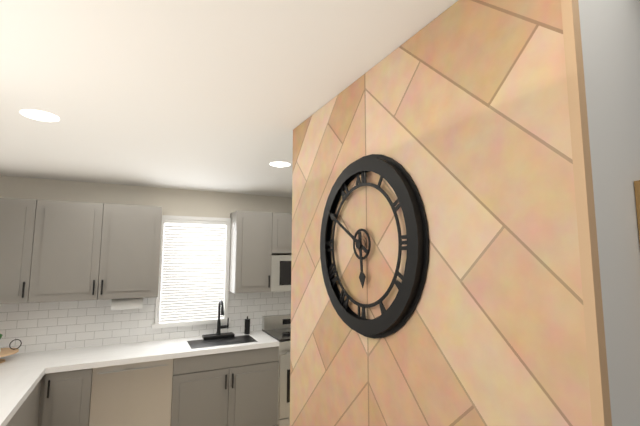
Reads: 5:50
